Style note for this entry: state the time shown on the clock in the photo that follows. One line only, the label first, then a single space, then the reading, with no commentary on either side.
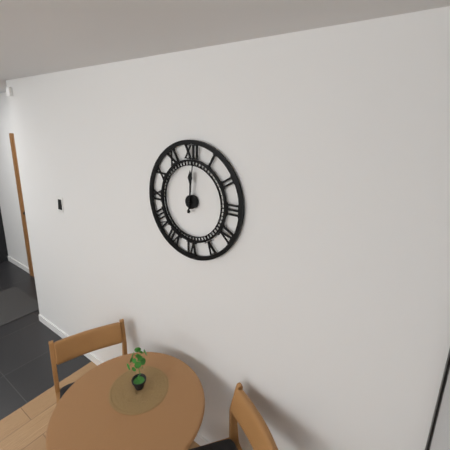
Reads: 12:01
